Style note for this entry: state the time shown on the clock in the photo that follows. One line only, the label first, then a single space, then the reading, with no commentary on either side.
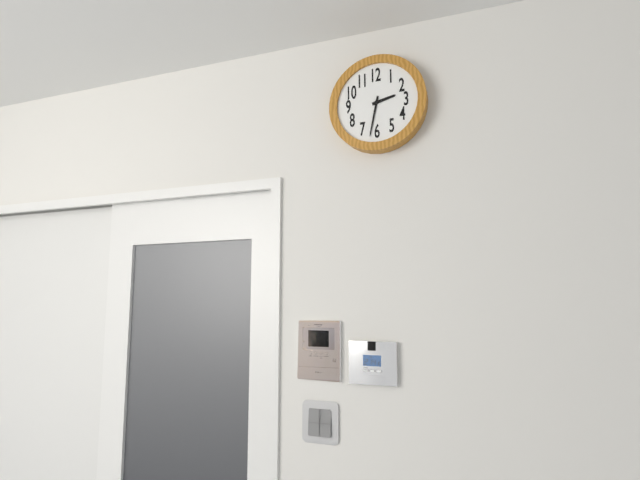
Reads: 2:32
